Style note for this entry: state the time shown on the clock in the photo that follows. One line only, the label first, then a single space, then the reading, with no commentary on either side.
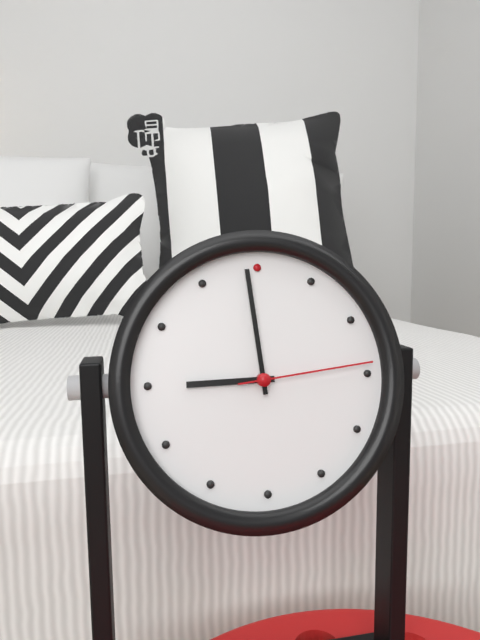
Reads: 8:59:14
